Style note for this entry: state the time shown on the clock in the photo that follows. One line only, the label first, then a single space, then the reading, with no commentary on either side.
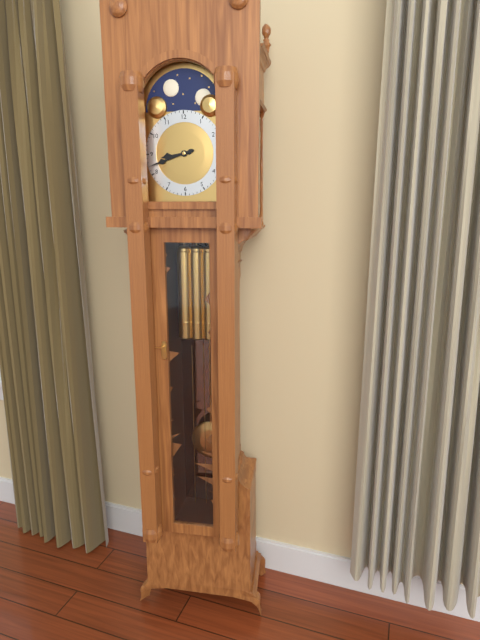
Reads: 8:42
